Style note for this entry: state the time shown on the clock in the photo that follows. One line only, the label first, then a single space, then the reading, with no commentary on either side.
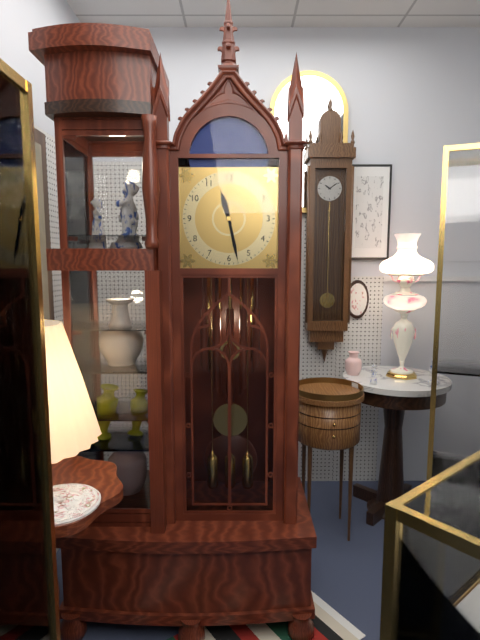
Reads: 11:28
